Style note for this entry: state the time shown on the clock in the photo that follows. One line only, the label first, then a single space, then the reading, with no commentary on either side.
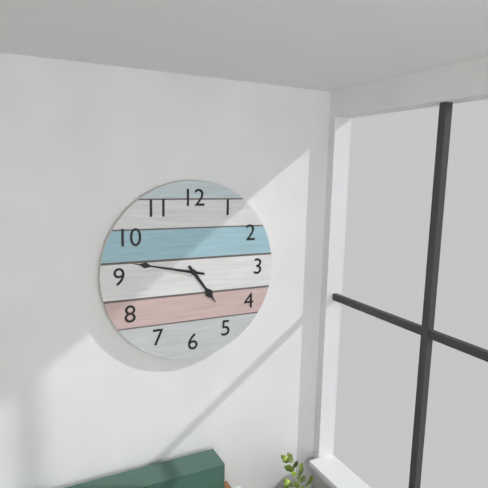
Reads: 4:47
